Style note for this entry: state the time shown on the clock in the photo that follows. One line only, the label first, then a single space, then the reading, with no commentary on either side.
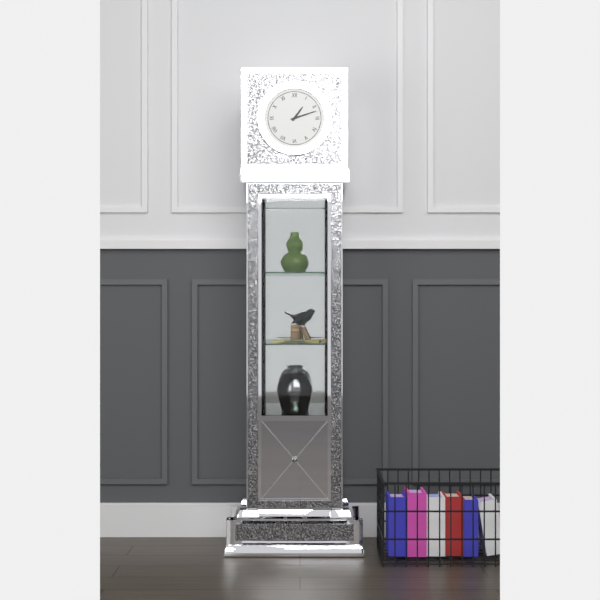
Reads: 1:12
